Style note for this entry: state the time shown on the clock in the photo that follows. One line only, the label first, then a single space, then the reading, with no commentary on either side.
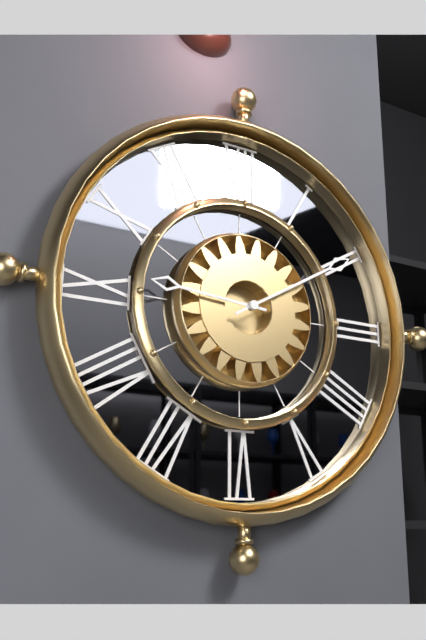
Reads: 9:10
